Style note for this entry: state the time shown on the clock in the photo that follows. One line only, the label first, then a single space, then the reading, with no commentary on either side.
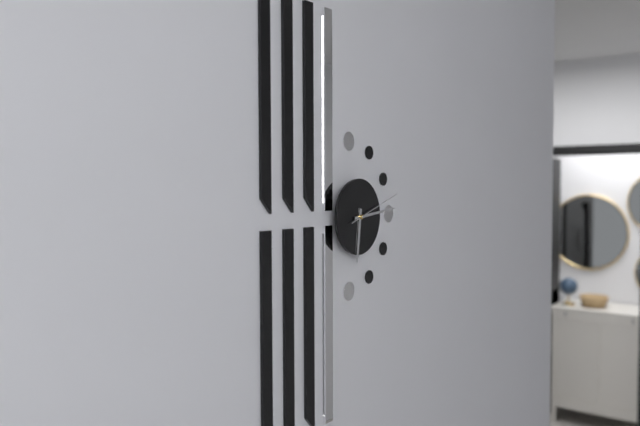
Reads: 6:14:12
